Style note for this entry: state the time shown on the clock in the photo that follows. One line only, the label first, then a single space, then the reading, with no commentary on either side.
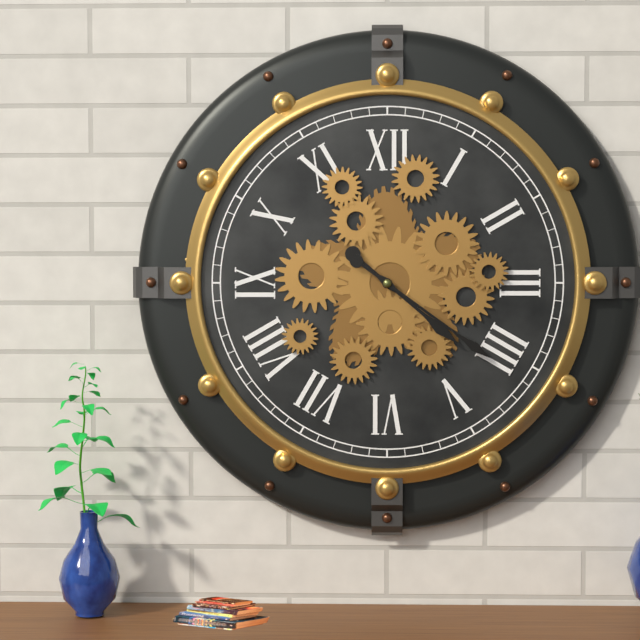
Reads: 4:21
